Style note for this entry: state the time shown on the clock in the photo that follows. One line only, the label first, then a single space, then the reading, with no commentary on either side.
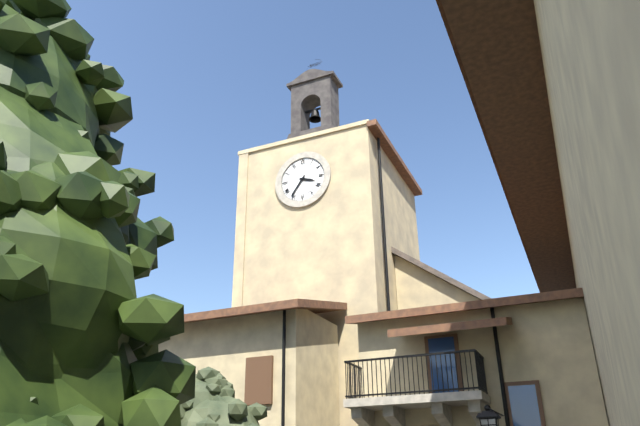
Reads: 3:36
